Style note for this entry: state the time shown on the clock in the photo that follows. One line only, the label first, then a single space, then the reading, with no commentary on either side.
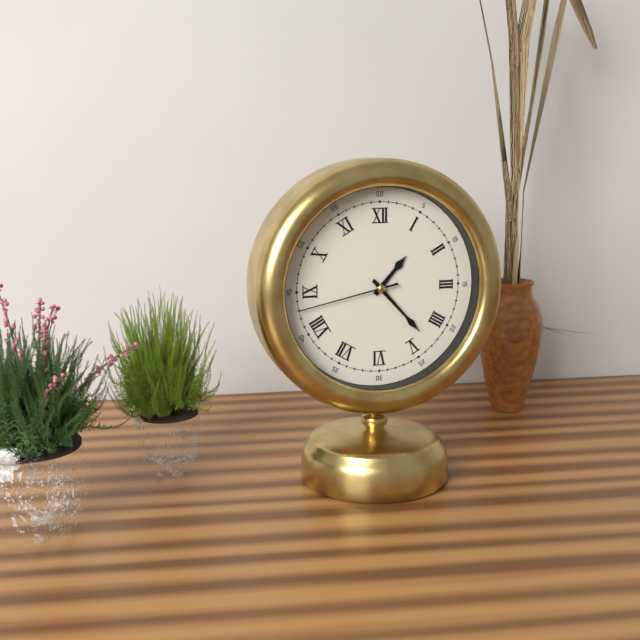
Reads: 1:23:43
